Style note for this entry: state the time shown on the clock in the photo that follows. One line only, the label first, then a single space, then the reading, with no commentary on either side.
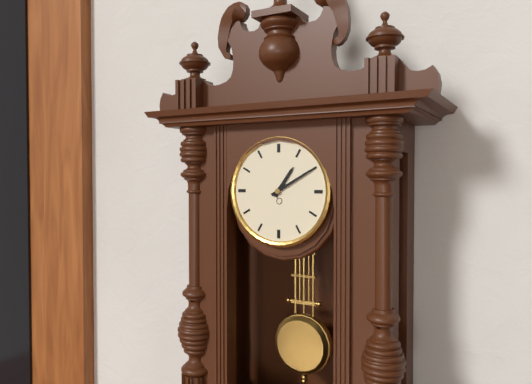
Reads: 1:10
